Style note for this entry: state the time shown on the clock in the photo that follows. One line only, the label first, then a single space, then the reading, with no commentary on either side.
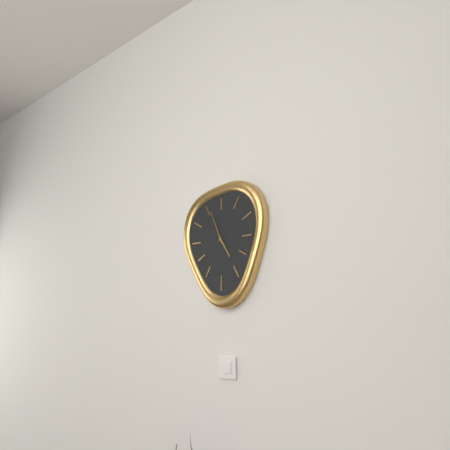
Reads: 4:56
